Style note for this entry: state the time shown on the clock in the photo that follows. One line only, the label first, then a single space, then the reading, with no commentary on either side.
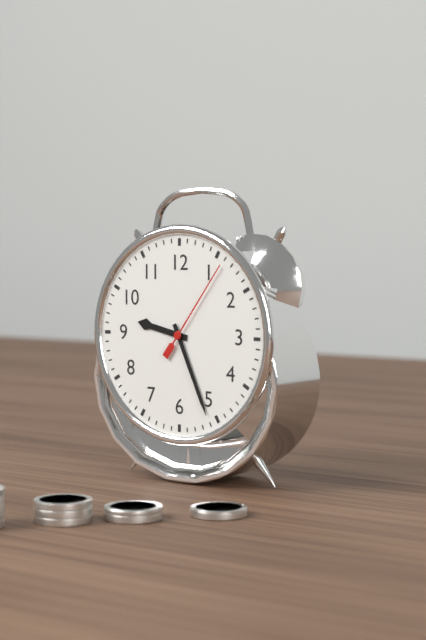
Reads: 9:26:06
